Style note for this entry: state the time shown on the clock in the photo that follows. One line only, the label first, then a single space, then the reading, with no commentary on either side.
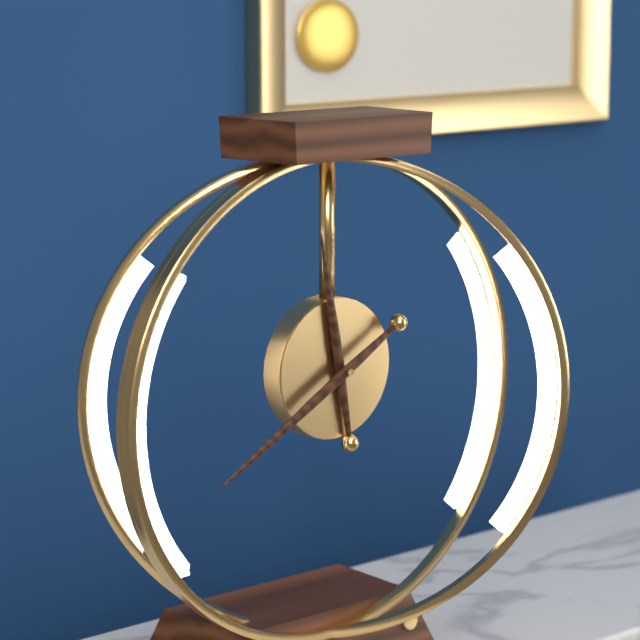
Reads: 11:40
